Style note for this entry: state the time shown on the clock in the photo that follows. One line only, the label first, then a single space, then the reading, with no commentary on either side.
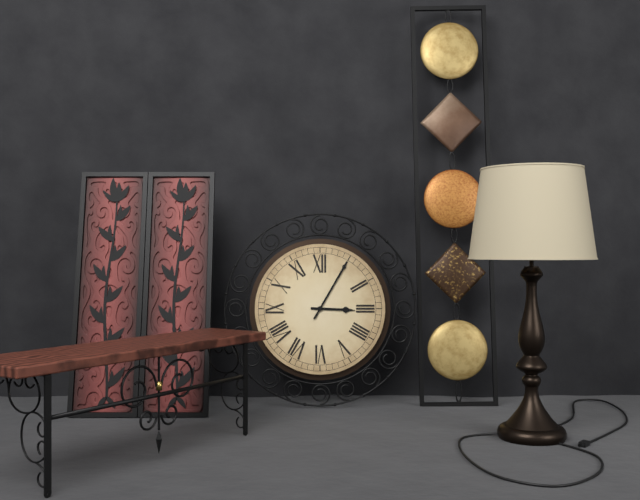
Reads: 3:05
